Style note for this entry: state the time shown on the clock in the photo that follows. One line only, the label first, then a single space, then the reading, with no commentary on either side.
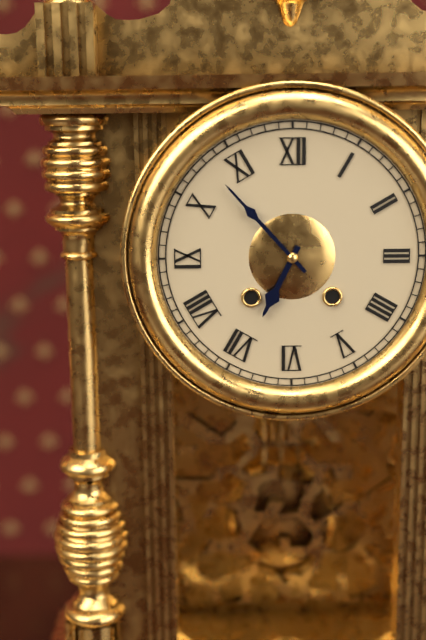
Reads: 6:53
